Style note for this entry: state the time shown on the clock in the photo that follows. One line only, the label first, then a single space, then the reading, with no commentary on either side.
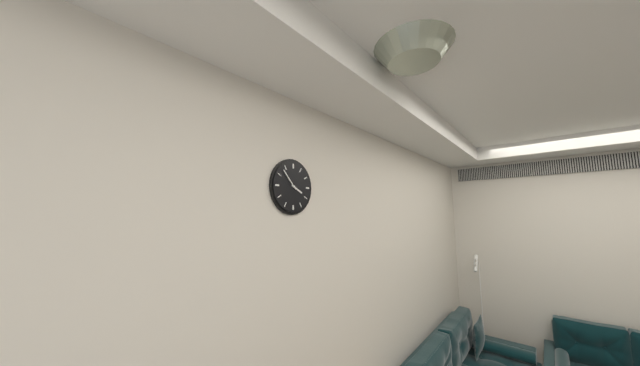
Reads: 3:53
